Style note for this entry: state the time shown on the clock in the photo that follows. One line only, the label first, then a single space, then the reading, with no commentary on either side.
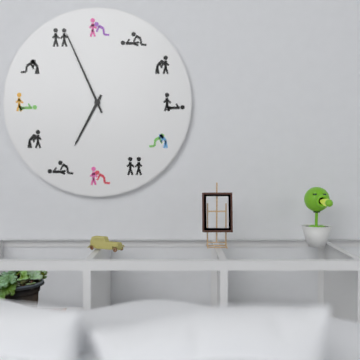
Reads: 6:56
